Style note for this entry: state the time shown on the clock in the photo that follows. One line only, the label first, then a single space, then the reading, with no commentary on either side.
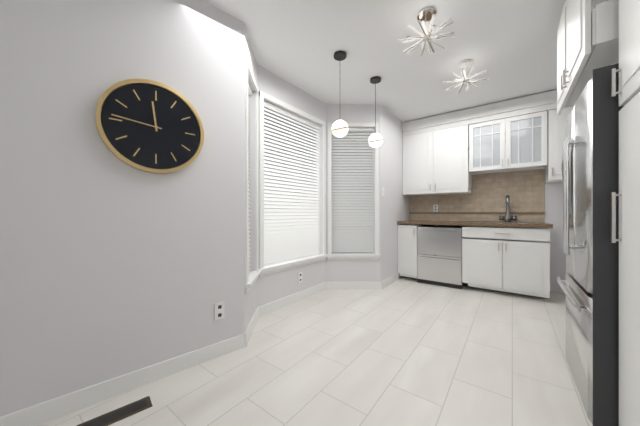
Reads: 11:46
